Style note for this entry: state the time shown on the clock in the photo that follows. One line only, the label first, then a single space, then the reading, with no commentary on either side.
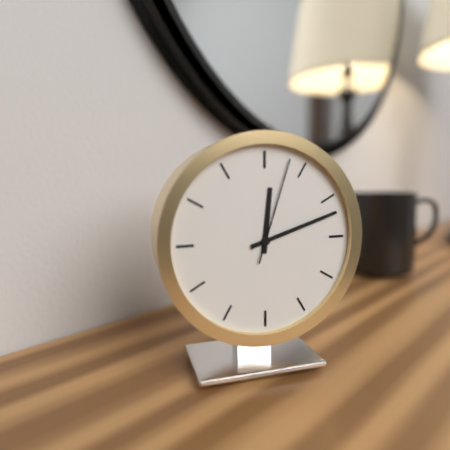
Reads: 12:12:03
